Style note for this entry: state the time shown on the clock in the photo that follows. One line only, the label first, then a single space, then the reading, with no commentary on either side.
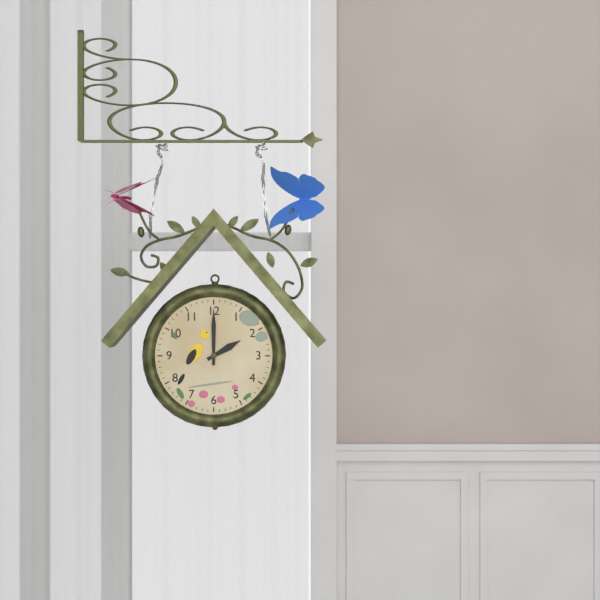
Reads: 2:00
